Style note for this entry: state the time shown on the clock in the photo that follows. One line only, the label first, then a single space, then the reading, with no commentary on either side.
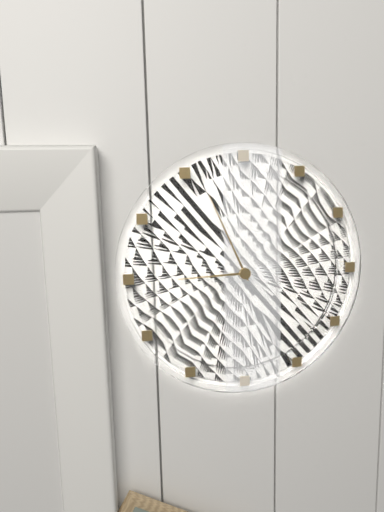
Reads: 8:56
